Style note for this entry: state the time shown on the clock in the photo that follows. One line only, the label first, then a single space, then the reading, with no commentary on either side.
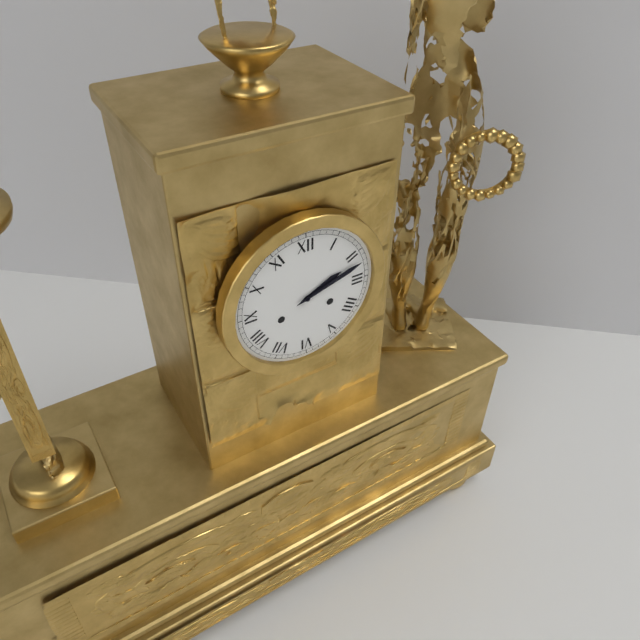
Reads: 2:12
